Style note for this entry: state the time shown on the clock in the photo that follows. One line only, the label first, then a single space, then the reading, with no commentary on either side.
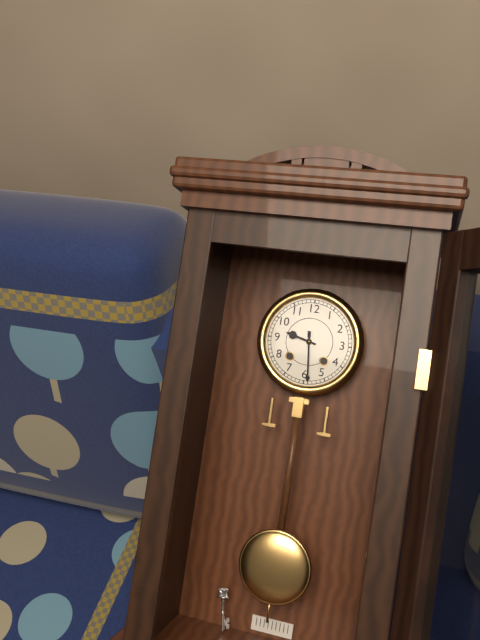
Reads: 9:29
